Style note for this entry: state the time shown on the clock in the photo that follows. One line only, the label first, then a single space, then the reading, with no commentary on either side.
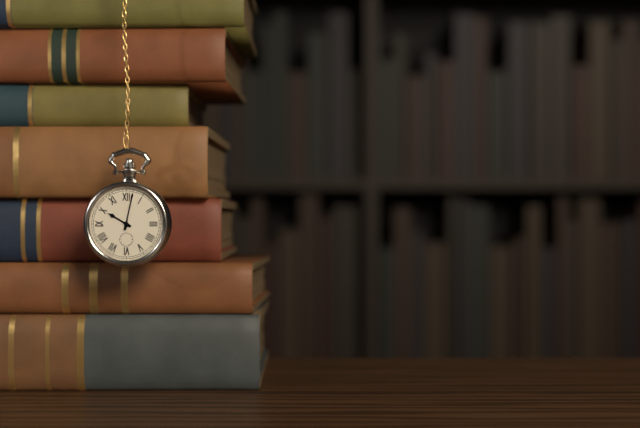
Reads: 10:02
